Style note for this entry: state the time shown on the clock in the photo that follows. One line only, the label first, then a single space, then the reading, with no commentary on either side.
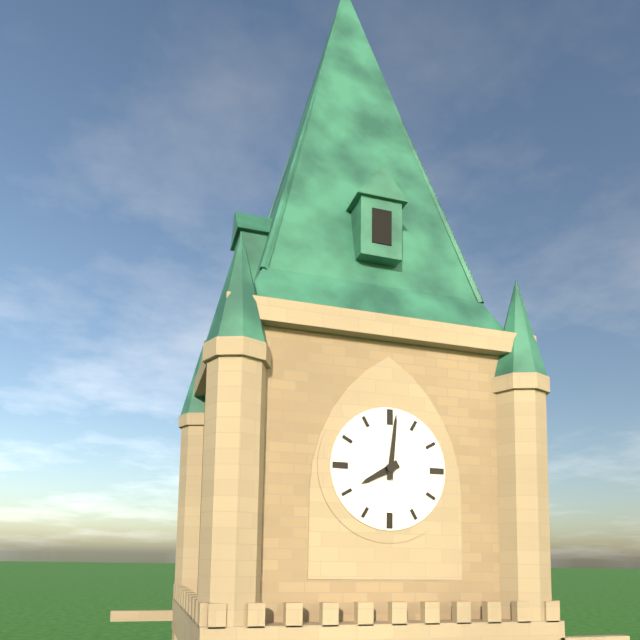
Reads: 8:01
